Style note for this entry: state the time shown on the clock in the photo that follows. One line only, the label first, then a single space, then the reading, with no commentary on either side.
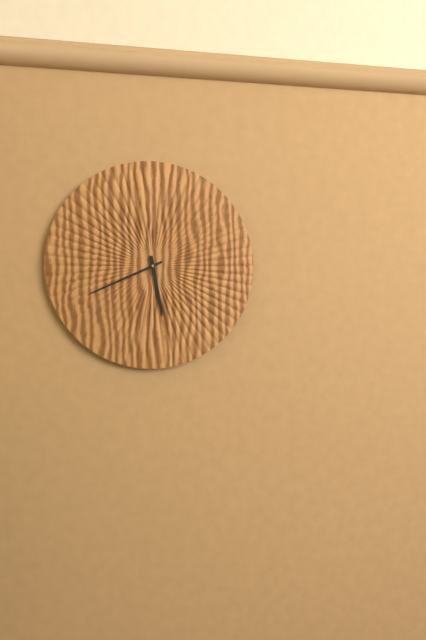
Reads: 5:41
